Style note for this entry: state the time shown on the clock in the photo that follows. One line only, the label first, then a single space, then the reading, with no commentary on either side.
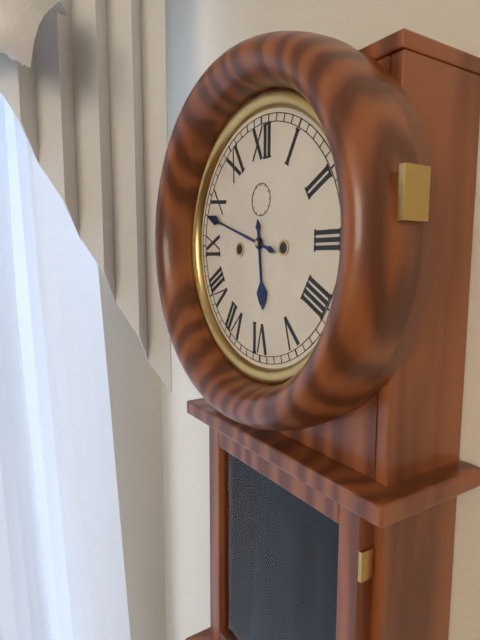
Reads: 5:48
